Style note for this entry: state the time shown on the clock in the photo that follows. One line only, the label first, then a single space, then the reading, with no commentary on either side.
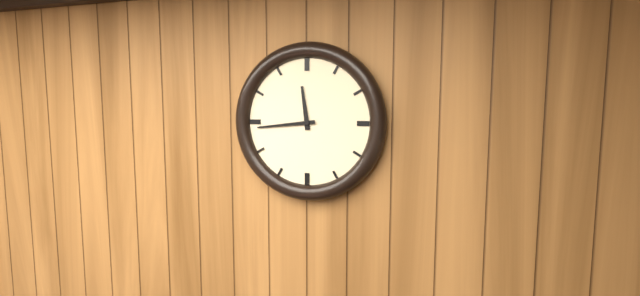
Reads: 11:44
